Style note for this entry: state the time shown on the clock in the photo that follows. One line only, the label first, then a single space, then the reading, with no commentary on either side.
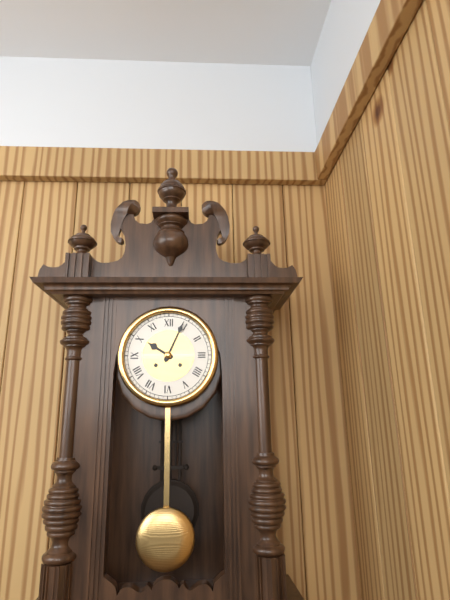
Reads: 10:04
